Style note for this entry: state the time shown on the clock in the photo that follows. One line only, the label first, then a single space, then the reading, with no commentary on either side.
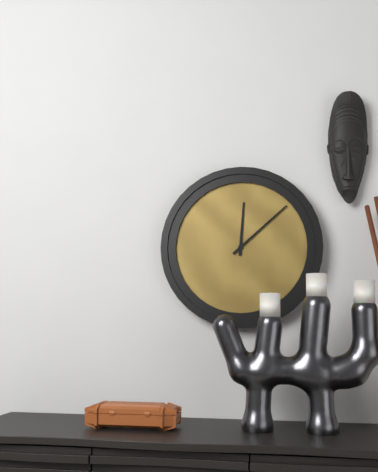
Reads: 12:08
